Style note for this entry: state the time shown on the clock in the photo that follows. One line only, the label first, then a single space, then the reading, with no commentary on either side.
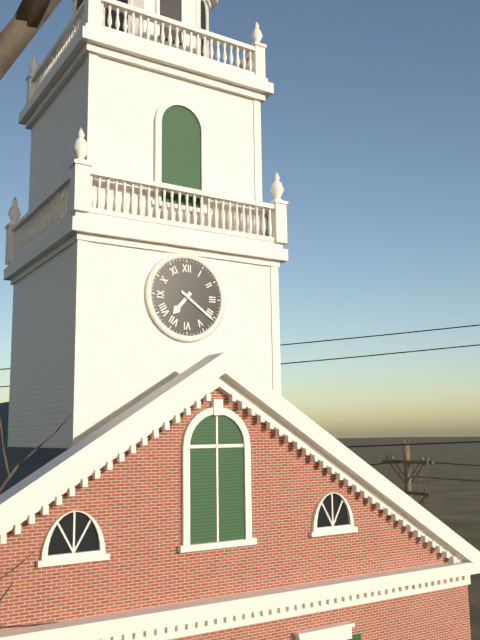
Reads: 7:21
